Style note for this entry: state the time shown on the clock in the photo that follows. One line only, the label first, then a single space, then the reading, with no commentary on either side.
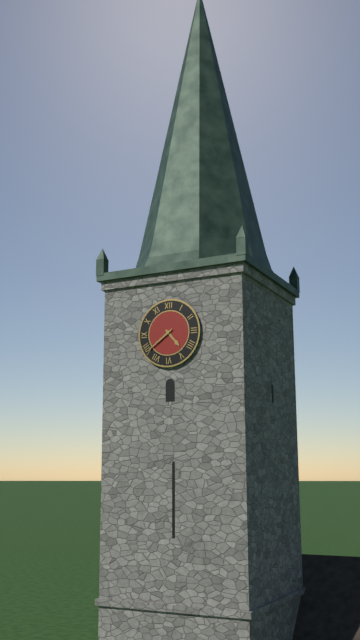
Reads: 4:39
